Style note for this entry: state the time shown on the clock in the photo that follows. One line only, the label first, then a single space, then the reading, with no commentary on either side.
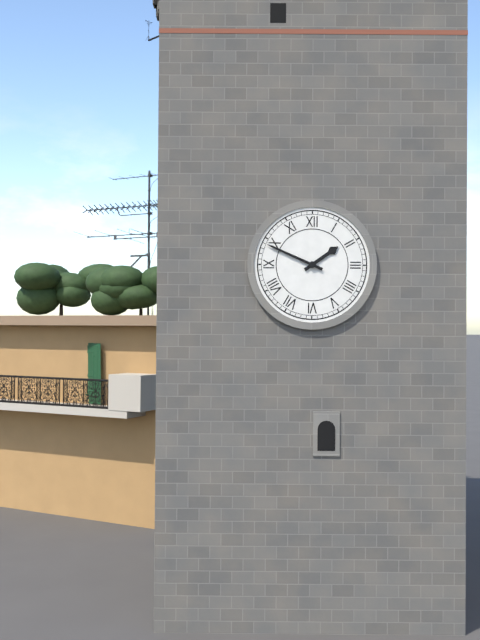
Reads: 1:49
